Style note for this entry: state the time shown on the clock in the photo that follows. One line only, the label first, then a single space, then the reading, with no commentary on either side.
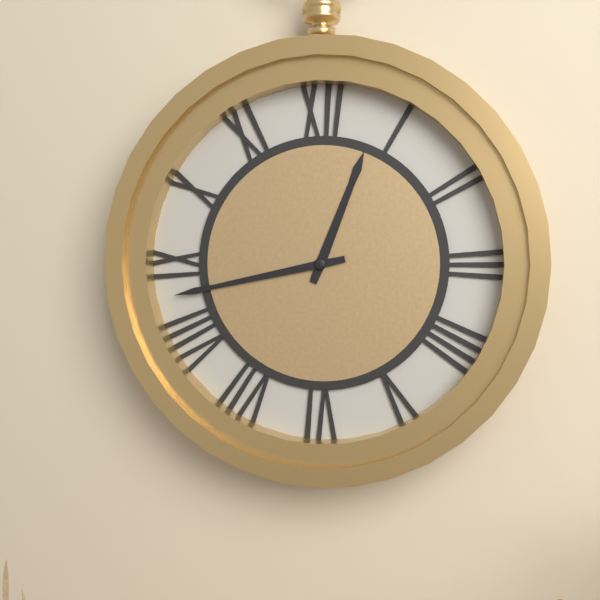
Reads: 12:43
